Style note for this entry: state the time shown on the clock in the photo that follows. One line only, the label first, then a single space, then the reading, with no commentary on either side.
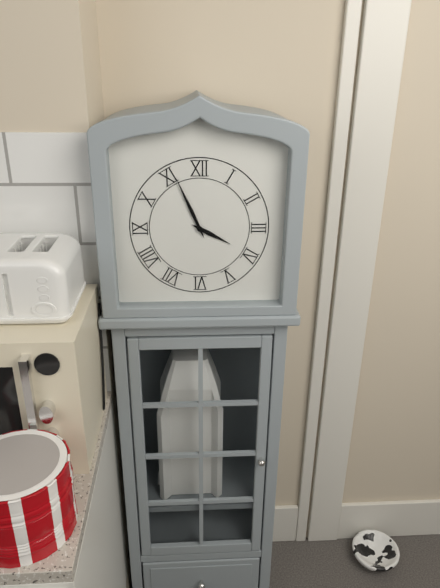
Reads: 3:56
